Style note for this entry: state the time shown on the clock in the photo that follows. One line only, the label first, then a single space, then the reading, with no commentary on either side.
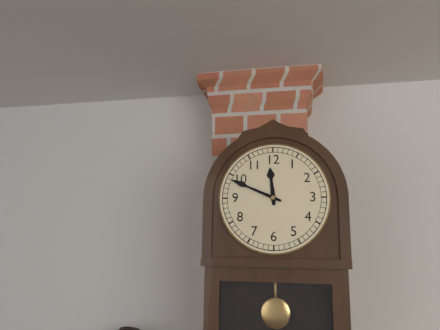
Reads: 11:49
